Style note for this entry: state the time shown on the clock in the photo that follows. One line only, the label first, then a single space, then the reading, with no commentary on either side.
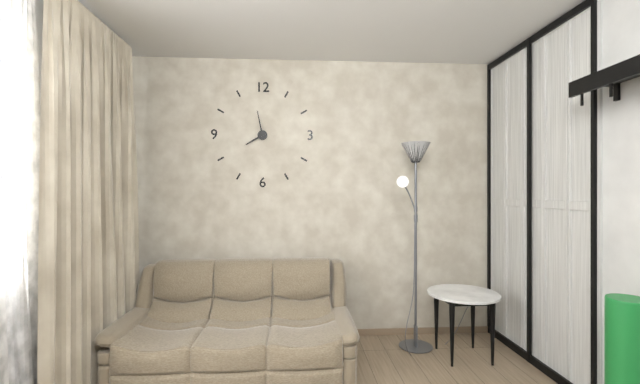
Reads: 7:58
